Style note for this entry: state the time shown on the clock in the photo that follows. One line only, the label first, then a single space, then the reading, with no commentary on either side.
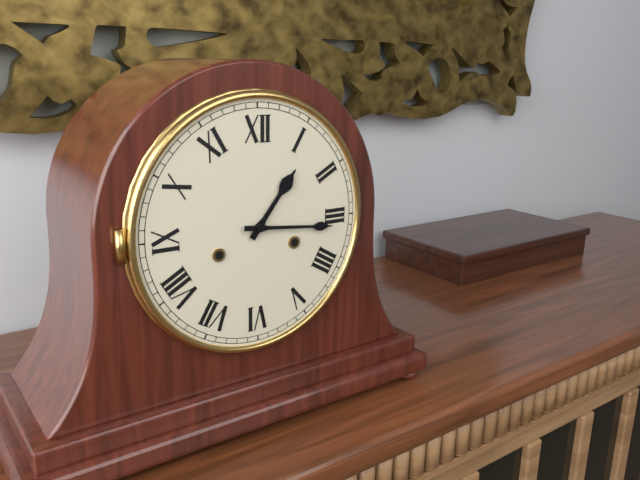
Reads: 1:16
